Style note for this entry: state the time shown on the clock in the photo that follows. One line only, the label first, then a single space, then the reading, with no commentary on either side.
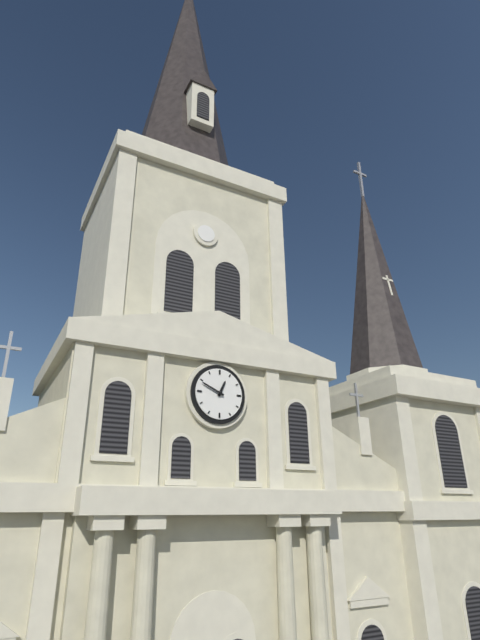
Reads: 12:49
